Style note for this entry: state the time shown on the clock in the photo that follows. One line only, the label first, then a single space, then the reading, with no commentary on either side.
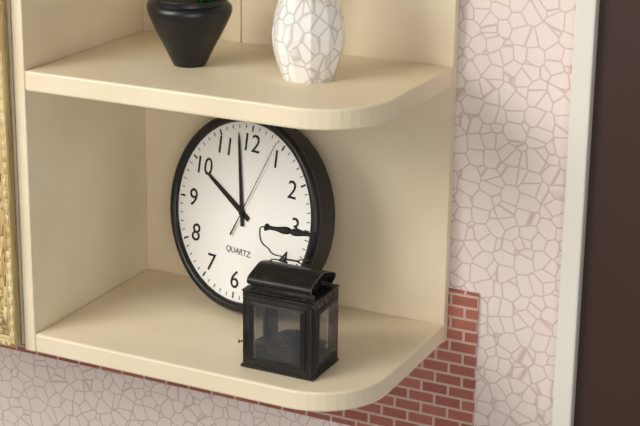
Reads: 9:58:04
